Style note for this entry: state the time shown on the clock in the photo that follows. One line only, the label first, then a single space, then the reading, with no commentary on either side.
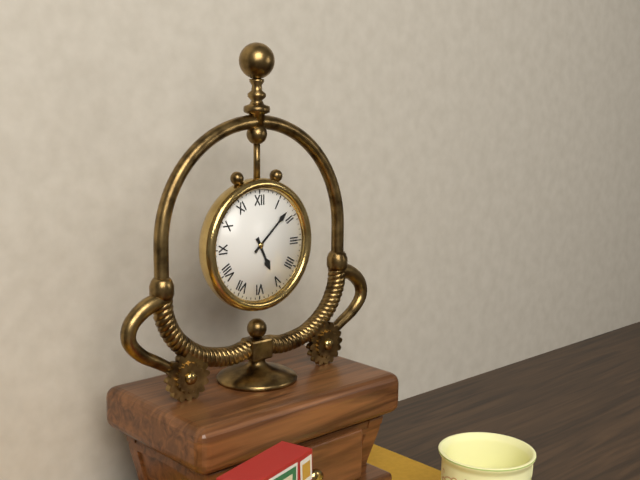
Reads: 5:08
